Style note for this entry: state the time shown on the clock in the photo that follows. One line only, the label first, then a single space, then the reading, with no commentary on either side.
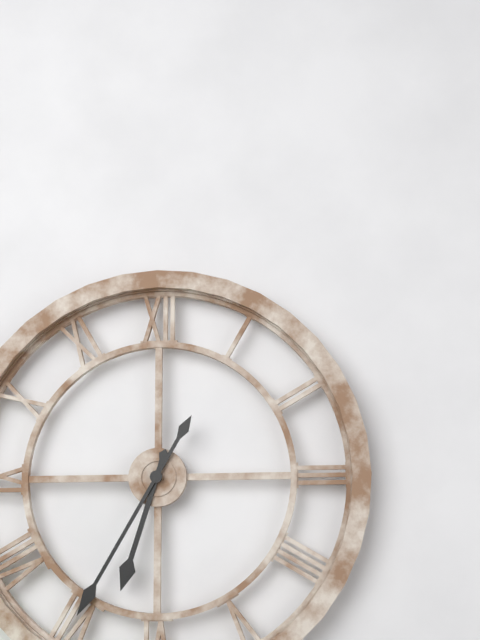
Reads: 6:35
